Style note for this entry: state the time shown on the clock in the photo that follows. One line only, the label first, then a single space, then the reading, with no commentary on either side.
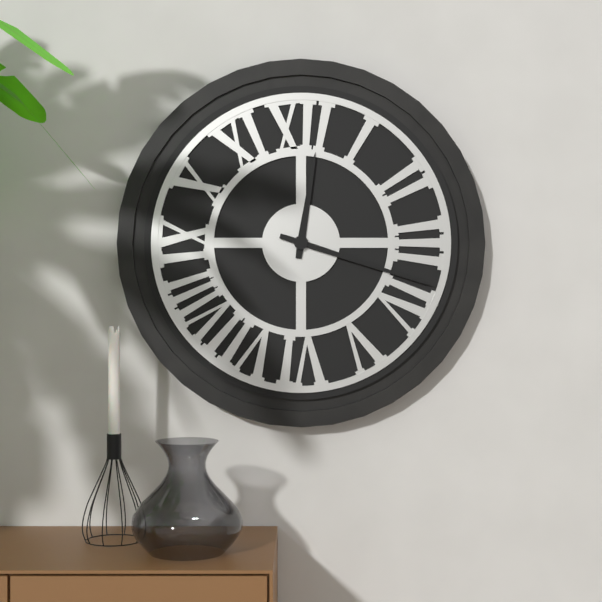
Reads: 12:18
